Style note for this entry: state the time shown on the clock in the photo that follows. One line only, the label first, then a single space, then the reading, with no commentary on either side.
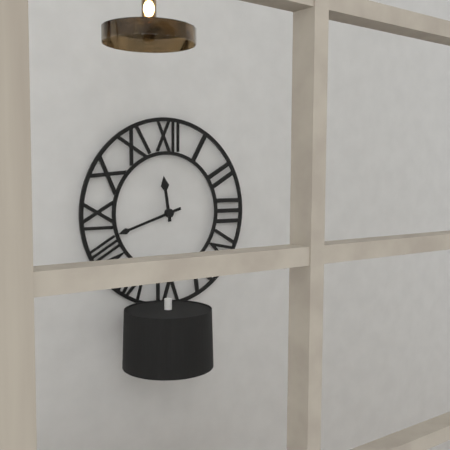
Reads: 11:42
